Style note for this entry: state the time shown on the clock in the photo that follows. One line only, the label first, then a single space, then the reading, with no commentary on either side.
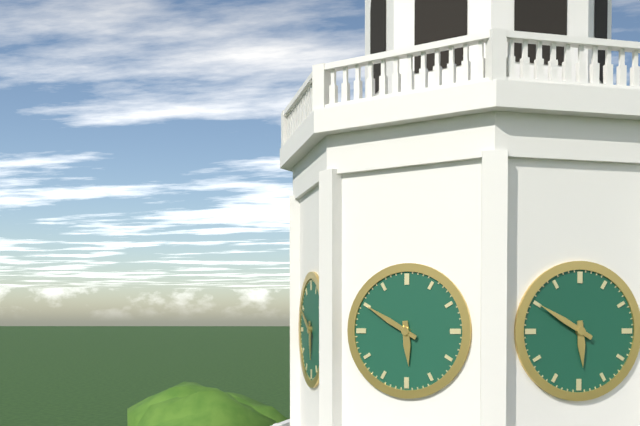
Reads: 5:50
